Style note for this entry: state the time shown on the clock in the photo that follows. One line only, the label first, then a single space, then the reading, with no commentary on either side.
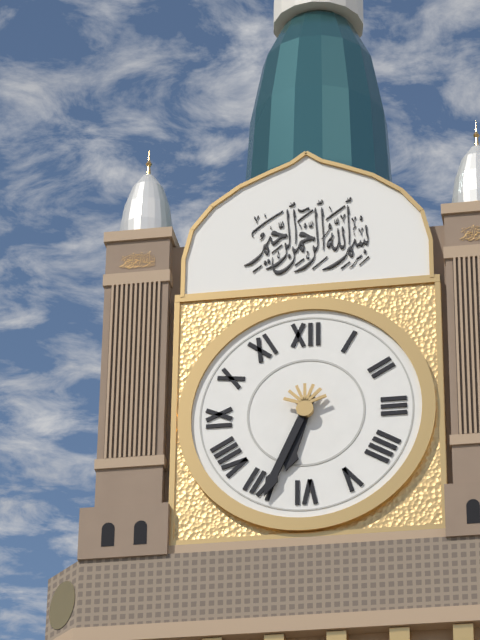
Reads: 6:34
